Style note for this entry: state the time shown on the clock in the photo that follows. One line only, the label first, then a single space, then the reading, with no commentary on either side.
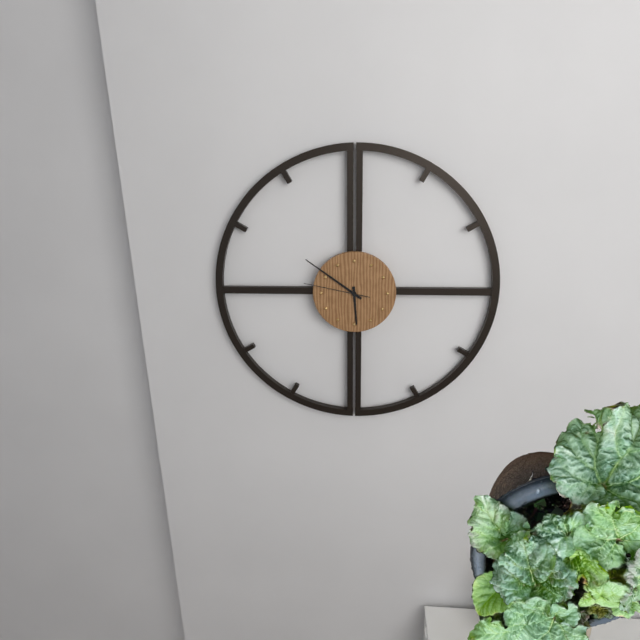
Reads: 5:51:47
